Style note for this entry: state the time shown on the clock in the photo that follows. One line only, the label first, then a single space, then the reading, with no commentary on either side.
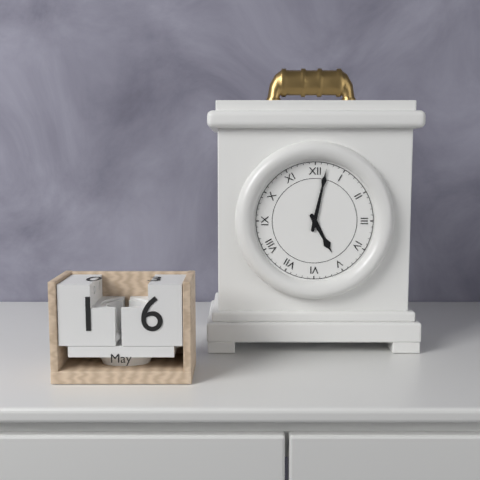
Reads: 5:02
